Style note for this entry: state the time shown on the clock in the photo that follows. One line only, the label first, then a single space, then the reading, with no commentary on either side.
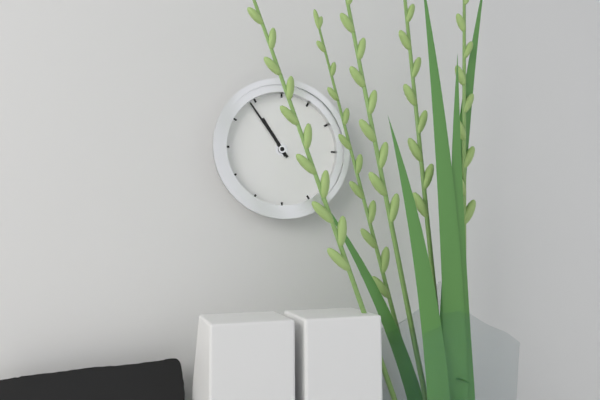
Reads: 10:54
